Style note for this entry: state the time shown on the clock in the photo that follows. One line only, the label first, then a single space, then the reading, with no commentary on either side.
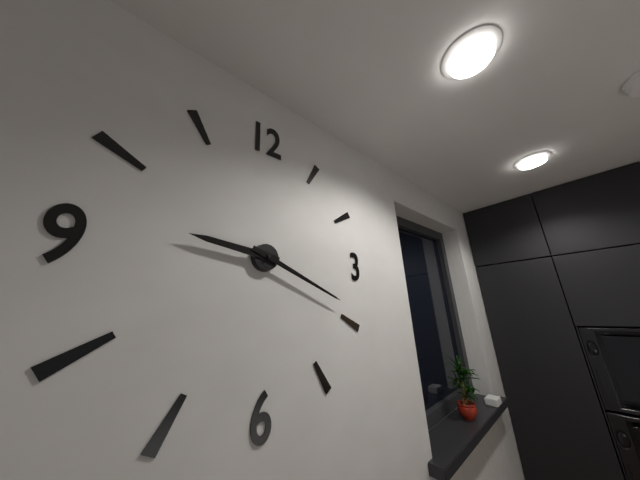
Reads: 9:19
